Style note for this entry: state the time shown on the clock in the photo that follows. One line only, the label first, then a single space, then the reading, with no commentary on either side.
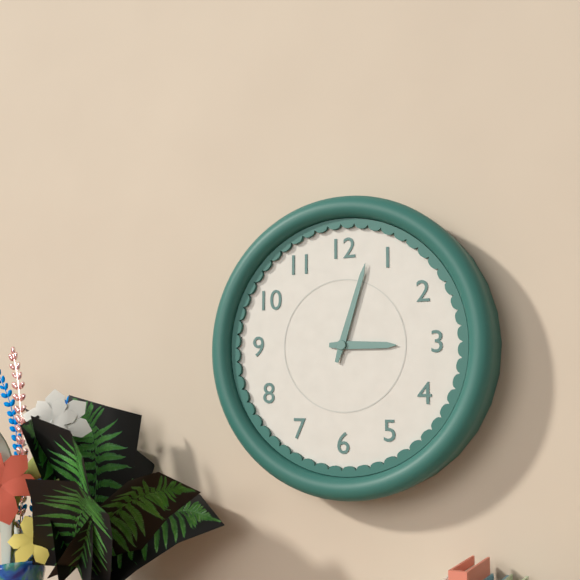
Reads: 3:03
